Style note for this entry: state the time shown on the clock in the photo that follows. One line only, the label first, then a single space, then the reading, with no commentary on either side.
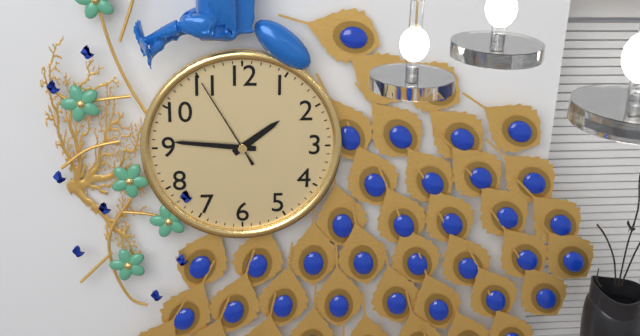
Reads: 1:46:55
